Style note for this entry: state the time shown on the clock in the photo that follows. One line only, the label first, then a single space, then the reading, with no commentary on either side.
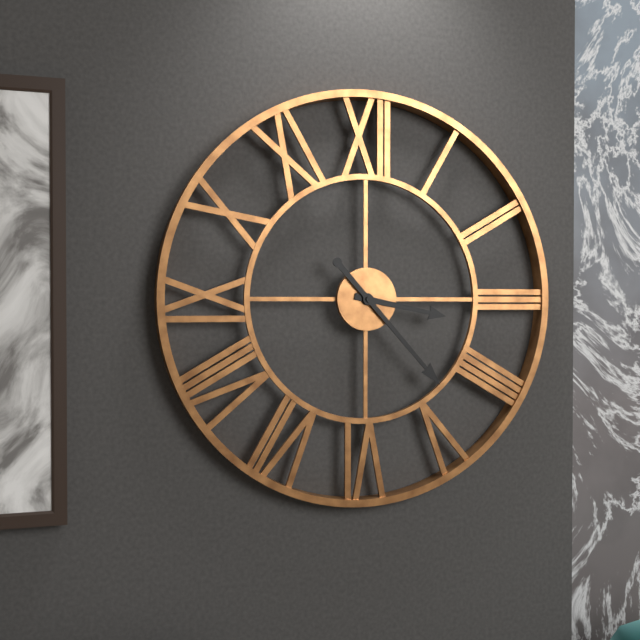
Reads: 3:23
